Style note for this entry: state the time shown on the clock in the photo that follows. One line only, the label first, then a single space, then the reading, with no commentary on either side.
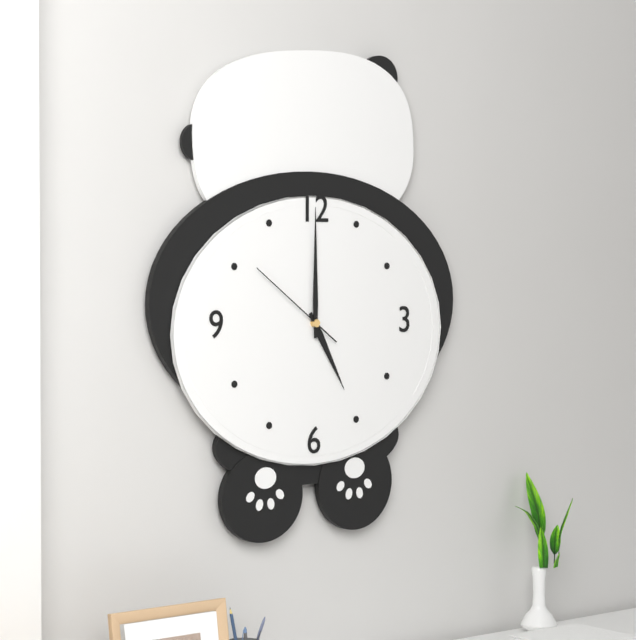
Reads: 5:00:51
